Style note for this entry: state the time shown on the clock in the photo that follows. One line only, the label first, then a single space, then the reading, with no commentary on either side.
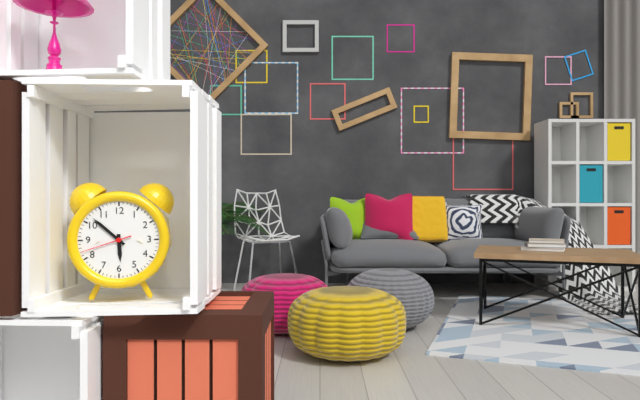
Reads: 5:52
